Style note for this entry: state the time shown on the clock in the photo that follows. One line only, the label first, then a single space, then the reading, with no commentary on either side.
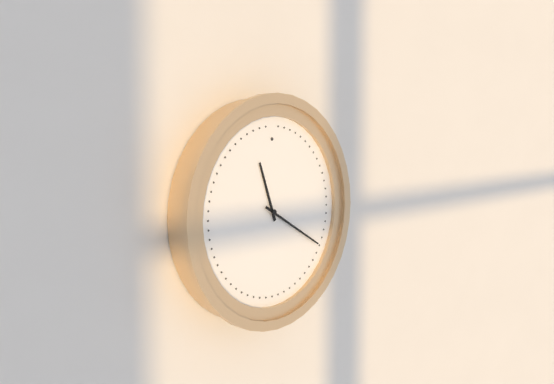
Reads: 11:20
